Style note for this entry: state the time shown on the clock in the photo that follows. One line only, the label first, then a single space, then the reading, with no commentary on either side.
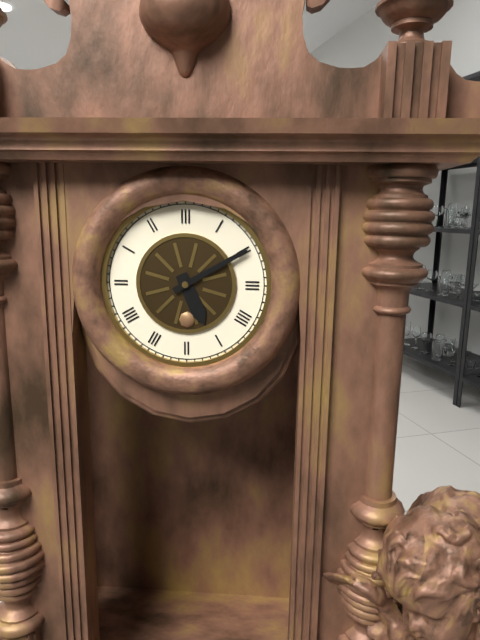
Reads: 5:10
